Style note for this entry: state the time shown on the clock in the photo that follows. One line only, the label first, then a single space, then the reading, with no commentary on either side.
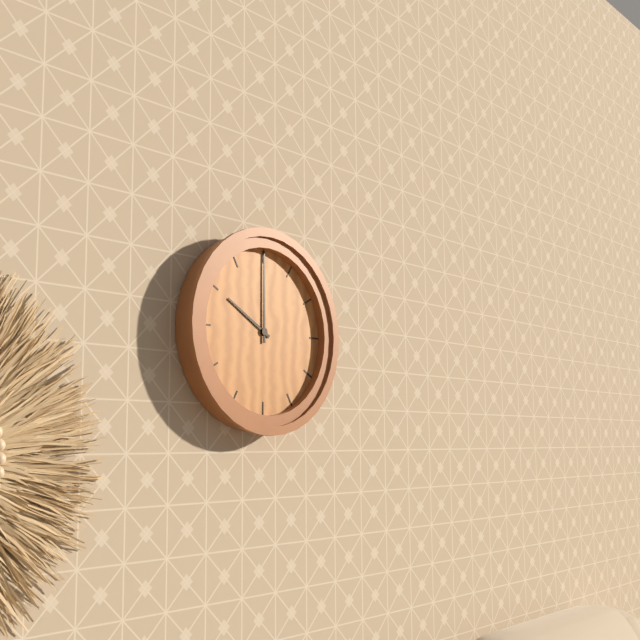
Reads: 10:00
